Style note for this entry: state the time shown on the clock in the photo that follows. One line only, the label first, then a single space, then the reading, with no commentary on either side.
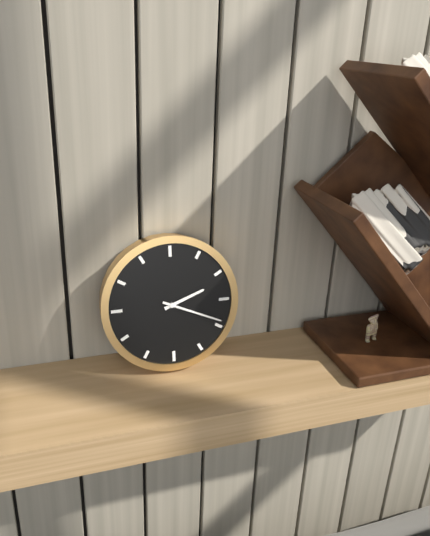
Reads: 2:19
